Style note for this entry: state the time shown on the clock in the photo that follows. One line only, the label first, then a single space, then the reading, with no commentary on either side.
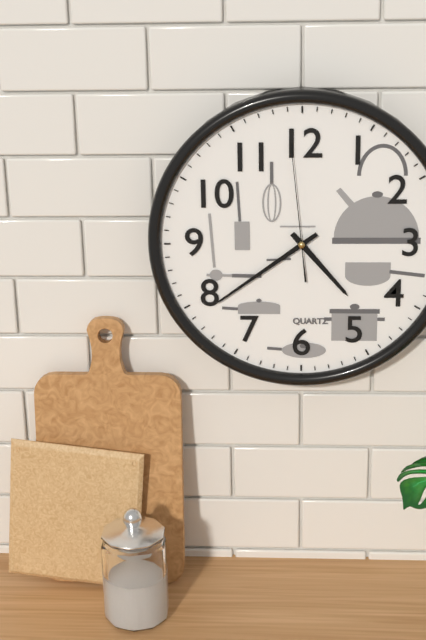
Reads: 4:39:59
